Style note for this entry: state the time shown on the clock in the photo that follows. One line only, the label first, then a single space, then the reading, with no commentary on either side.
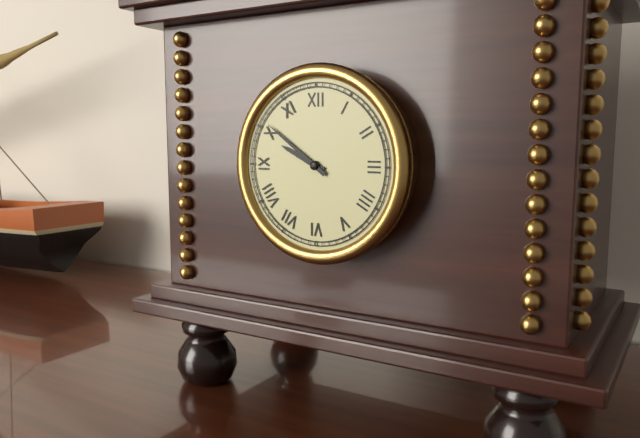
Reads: 9:51
